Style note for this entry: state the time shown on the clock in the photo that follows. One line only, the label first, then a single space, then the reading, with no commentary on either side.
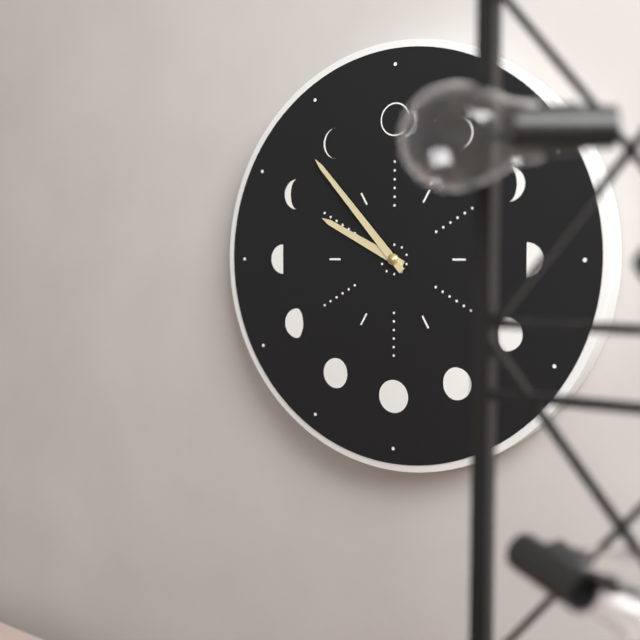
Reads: 9:53
